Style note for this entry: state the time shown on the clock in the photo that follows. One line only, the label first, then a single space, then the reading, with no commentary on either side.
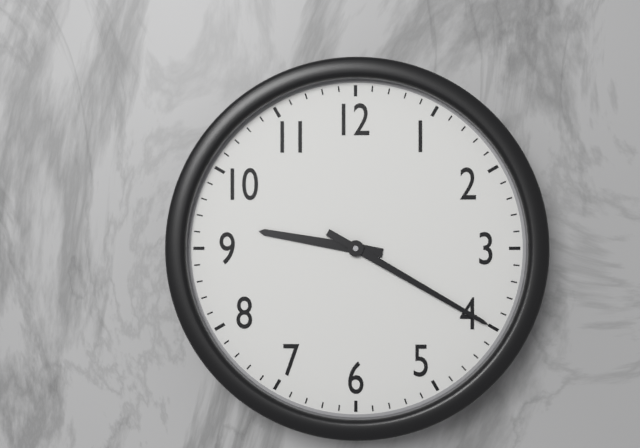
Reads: 9:20
